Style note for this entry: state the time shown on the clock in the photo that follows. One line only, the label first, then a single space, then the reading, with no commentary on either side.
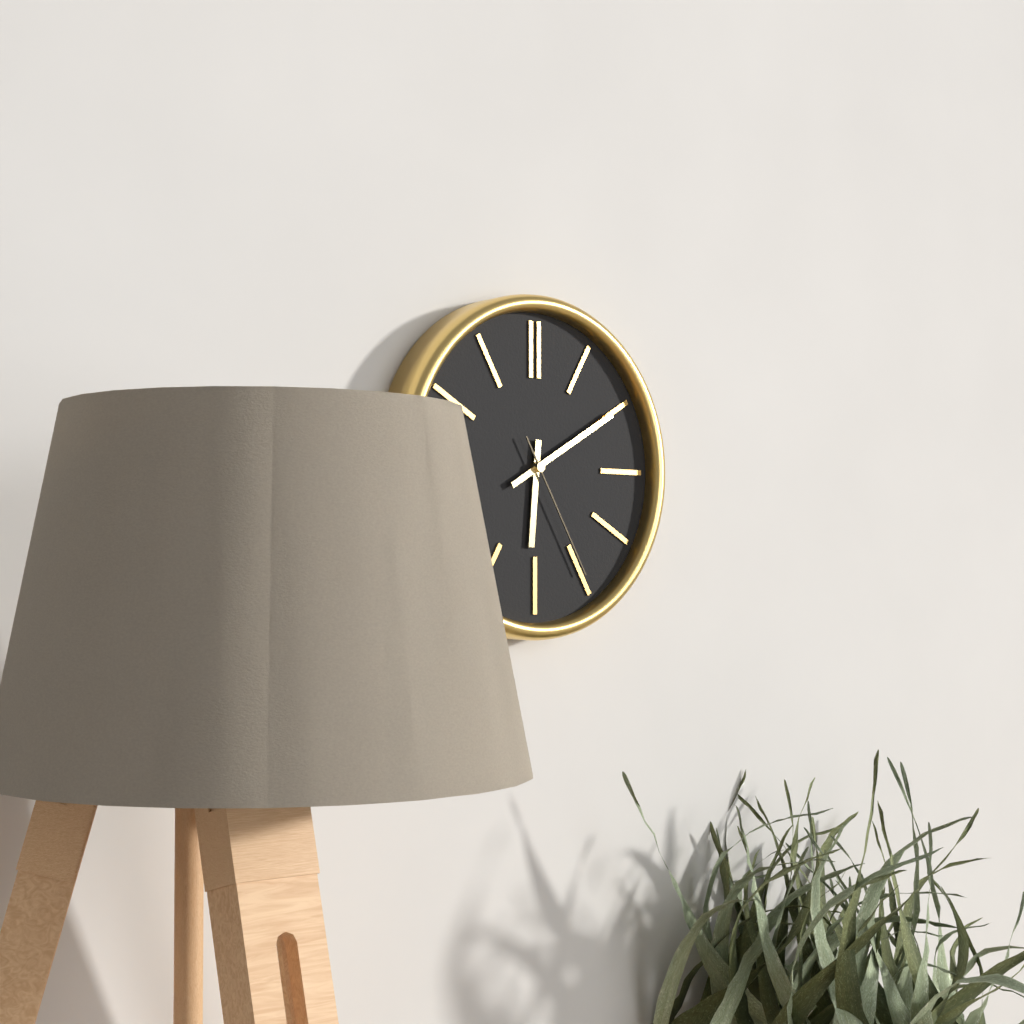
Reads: 6:10:25
